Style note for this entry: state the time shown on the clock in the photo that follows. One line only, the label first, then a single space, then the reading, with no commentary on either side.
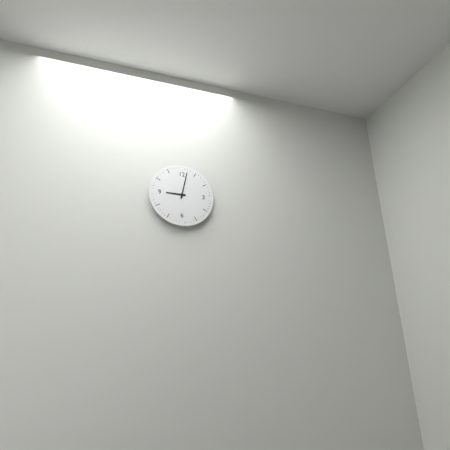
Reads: 9:02
